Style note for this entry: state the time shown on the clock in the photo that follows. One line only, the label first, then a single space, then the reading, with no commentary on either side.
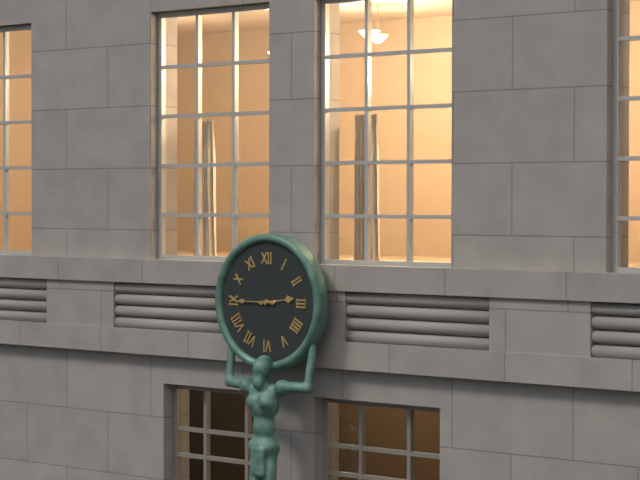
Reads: 2:45
